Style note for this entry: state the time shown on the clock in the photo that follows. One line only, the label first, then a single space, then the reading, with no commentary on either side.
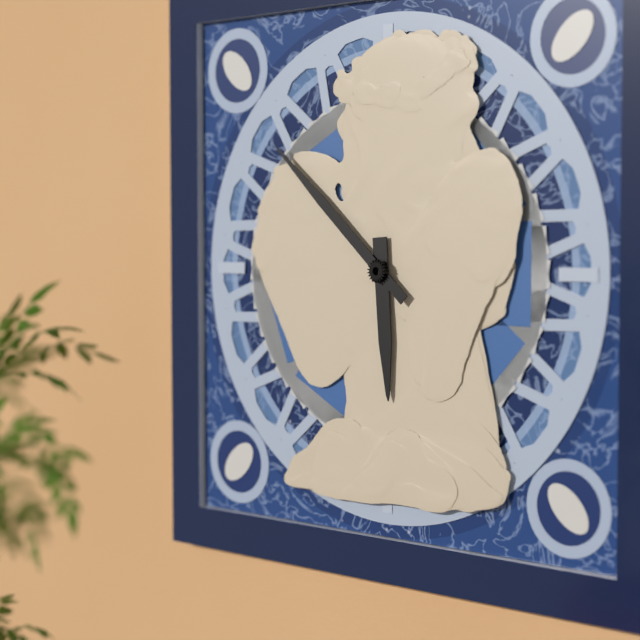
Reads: 5:52
